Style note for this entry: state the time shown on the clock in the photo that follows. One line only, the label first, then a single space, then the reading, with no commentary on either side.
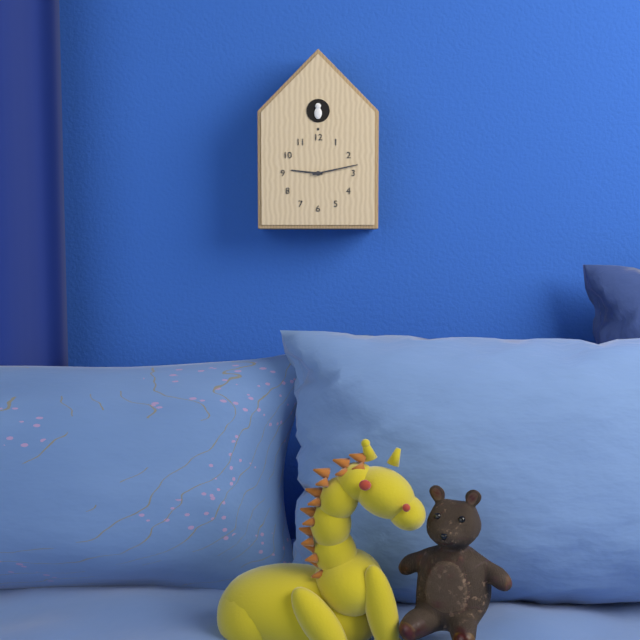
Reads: 9:13
